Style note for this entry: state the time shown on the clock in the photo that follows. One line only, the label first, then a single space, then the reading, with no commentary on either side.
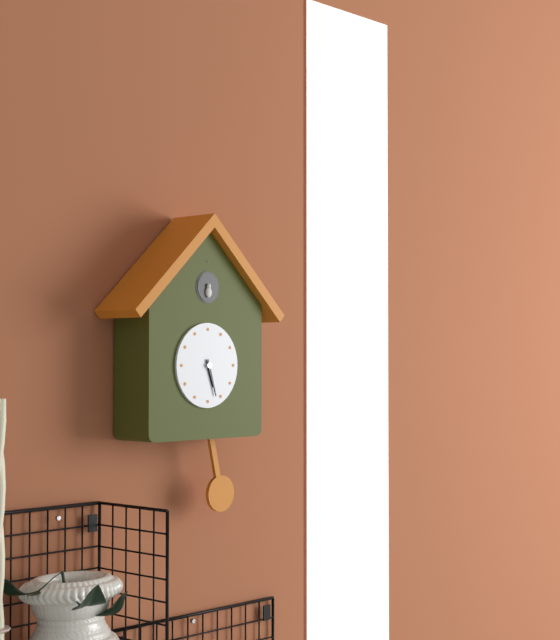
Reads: 5:27
